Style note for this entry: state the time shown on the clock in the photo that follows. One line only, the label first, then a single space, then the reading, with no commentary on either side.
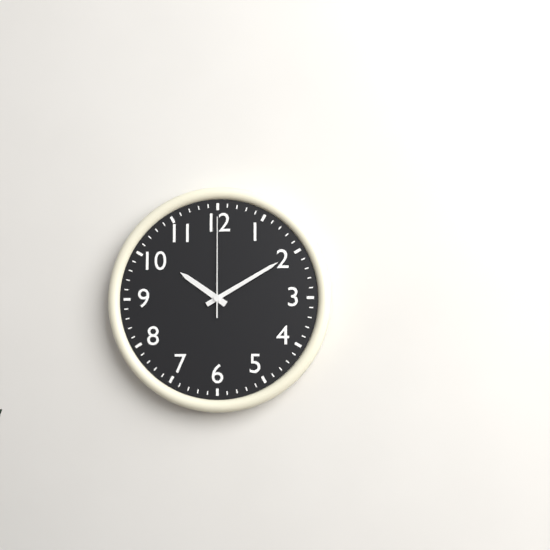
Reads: 10:10:00
